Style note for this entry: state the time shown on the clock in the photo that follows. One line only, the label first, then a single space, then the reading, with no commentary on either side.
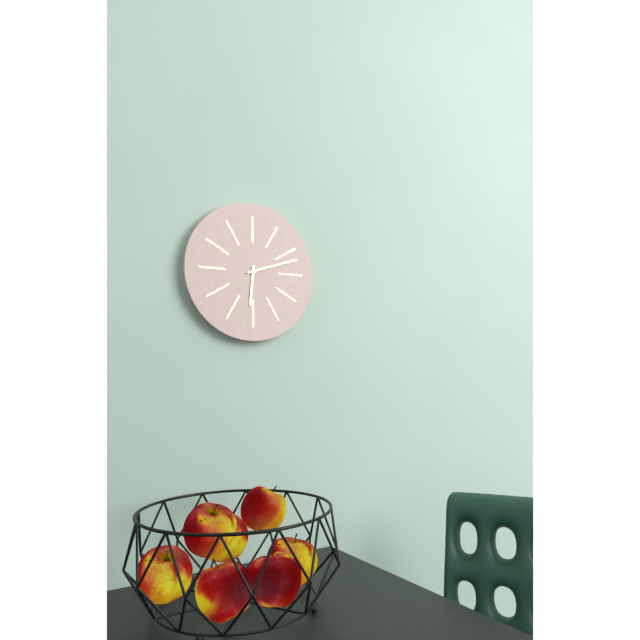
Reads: 6:12
